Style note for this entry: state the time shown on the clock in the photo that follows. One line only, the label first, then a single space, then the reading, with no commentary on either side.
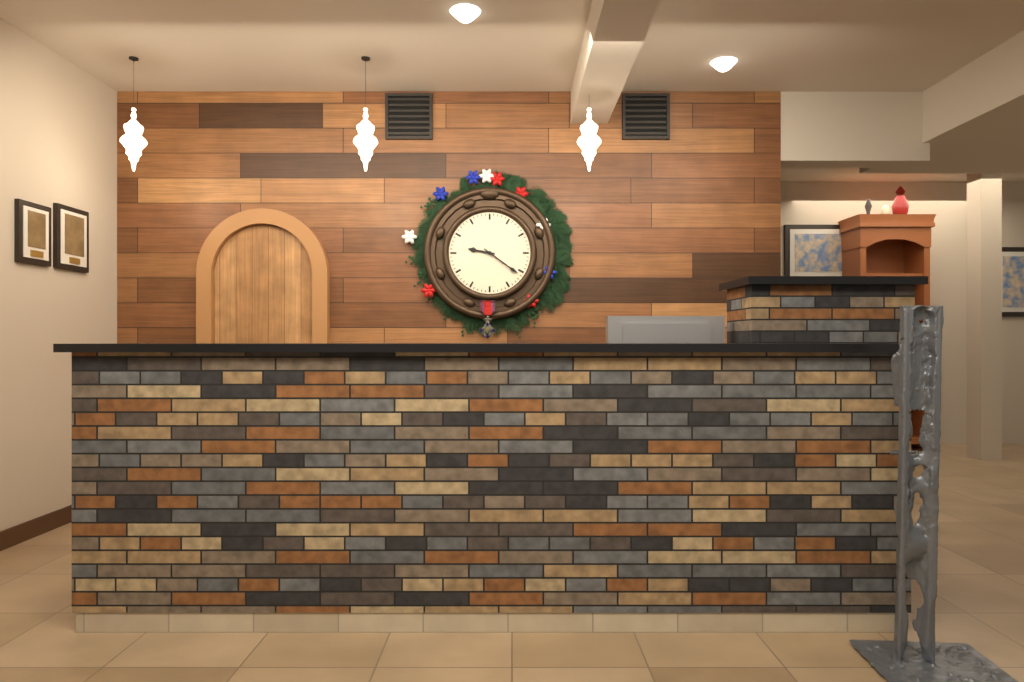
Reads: 9:21
